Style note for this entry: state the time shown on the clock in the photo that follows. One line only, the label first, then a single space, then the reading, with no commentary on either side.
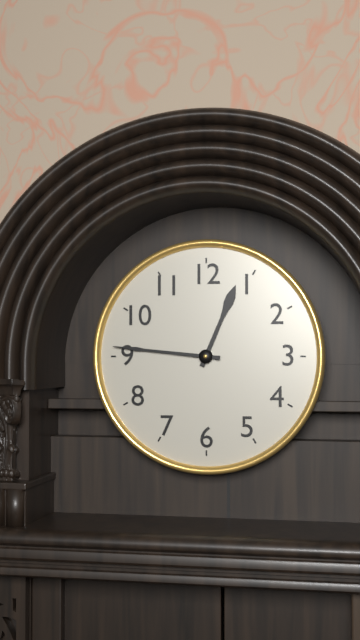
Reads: 12:46
